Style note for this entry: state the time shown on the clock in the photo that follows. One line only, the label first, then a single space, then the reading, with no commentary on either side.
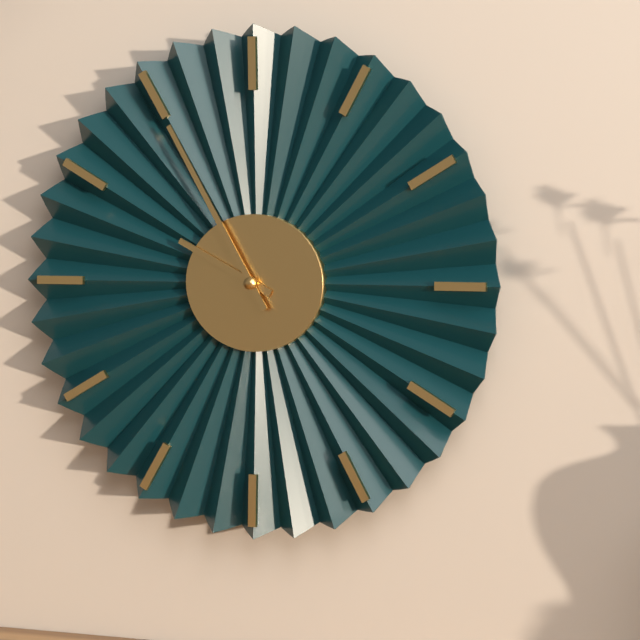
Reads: 9:55
